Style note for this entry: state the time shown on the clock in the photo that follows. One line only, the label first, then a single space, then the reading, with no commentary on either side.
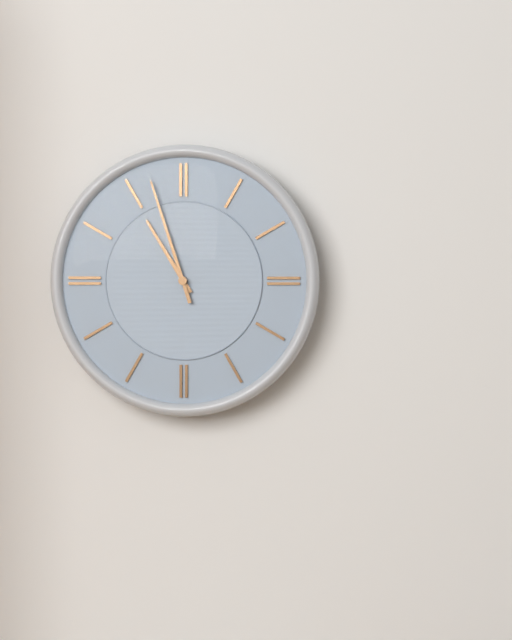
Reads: 10:57
